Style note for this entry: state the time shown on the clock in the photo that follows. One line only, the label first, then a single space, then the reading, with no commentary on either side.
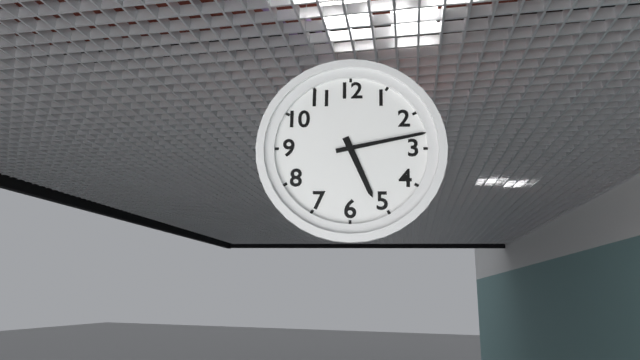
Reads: 5:13
